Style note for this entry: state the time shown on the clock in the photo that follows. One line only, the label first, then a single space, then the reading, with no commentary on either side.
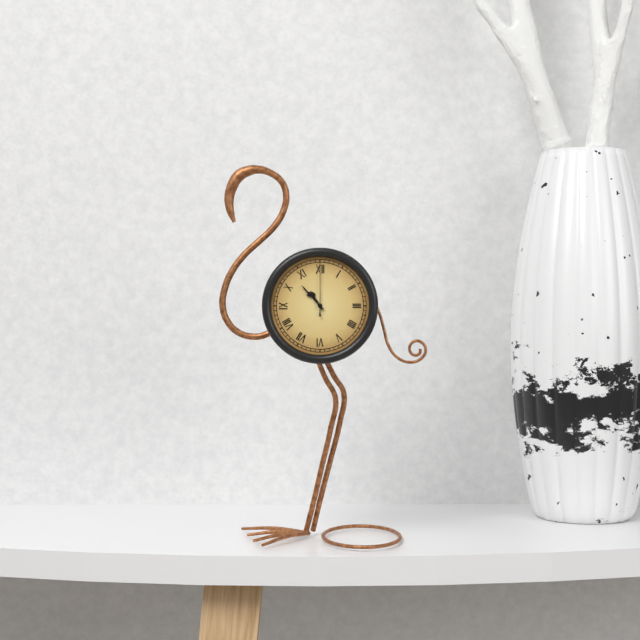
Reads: 10:53:00
